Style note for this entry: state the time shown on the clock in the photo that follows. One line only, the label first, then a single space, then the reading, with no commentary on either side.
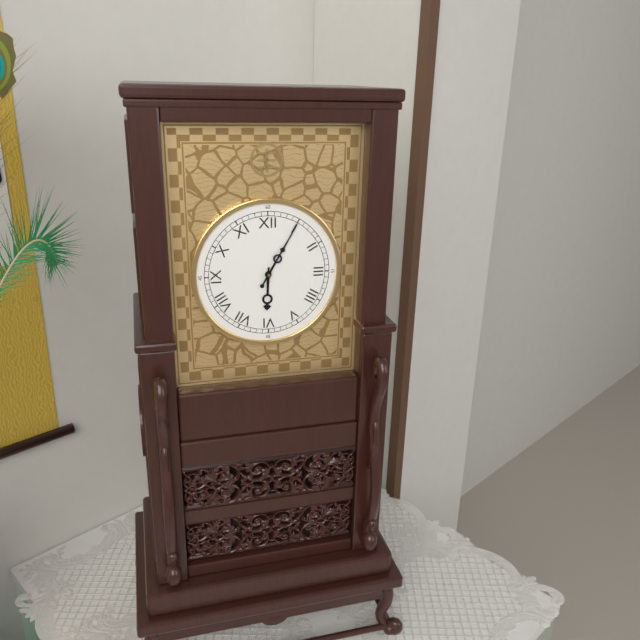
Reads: 6:05
